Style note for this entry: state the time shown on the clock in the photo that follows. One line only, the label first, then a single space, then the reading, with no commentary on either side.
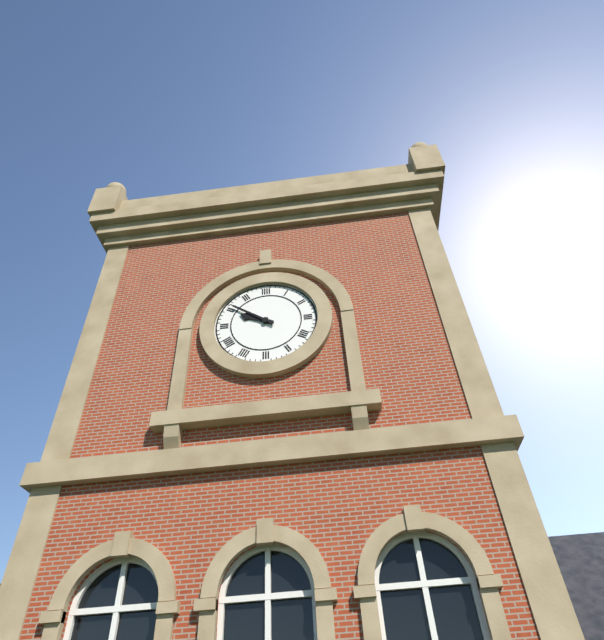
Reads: 9:51
